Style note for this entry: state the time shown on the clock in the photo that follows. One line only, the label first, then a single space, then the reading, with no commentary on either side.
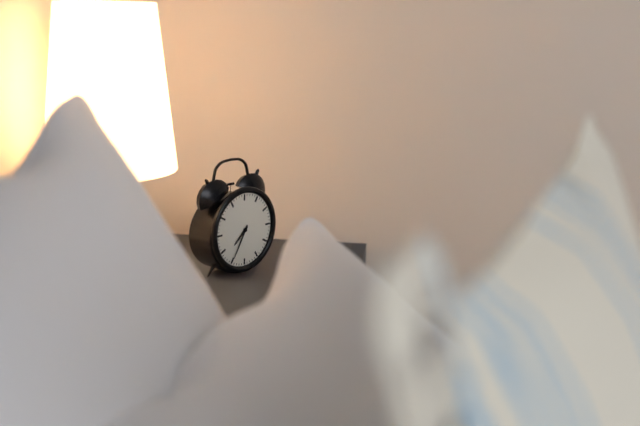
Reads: 7:35
